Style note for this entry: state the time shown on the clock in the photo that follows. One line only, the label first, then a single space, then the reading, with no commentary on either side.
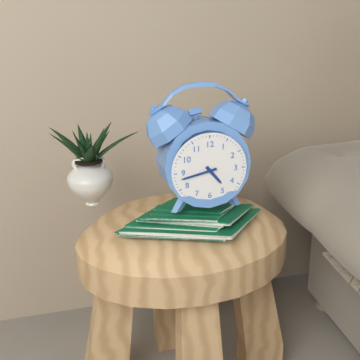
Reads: 4:43
